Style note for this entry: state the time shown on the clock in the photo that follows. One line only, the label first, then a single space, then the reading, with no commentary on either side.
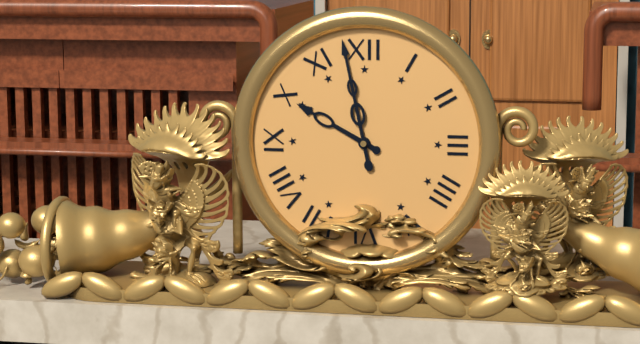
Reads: 9:58
